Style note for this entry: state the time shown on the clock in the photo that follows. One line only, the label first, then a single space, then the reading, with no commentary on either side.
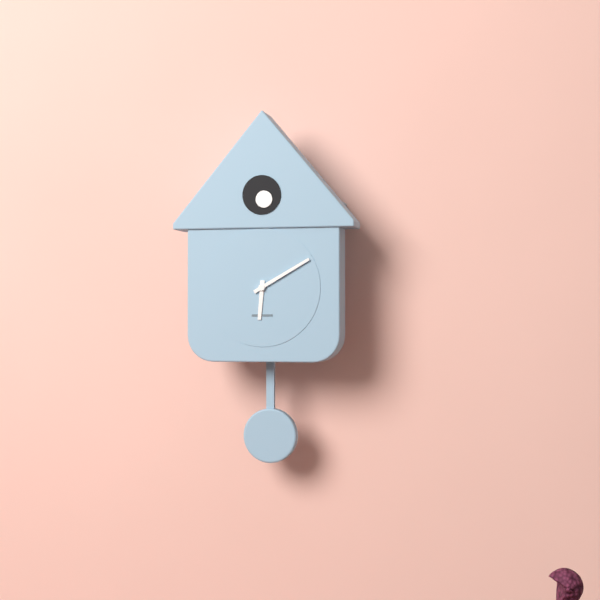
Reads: 6:10
